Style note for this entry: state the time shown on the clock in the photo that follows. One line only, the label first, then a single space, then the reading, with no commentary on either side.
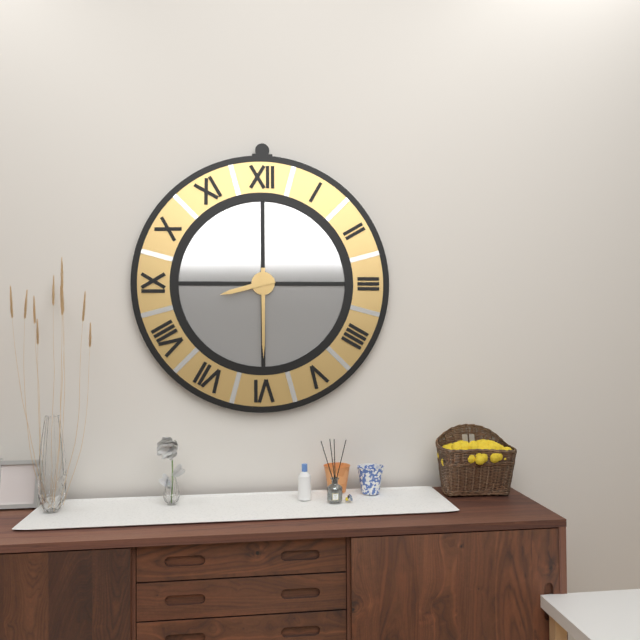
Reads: 8:30
